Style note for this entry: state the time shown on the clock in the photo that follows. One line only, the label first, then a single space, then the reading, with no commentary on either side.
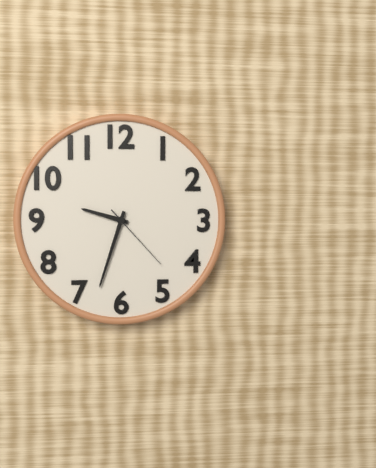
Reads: 9:33:23
